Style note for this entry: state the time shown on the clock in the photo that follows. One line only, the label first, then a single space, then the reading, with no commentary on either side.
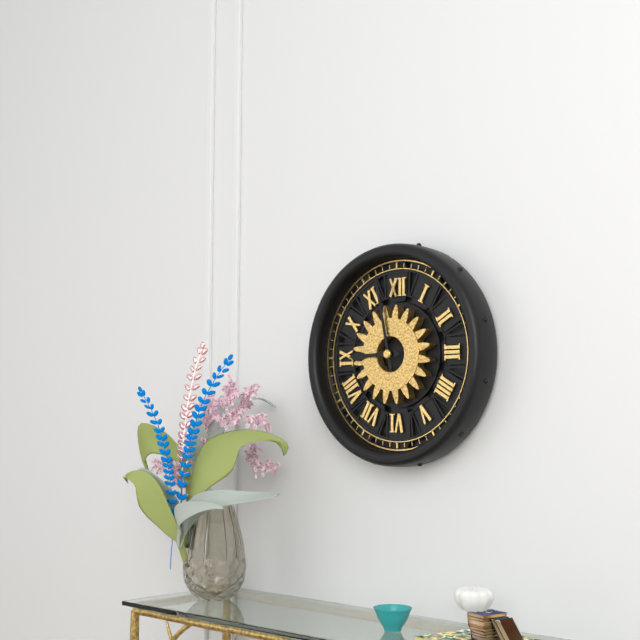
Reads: 8:58
